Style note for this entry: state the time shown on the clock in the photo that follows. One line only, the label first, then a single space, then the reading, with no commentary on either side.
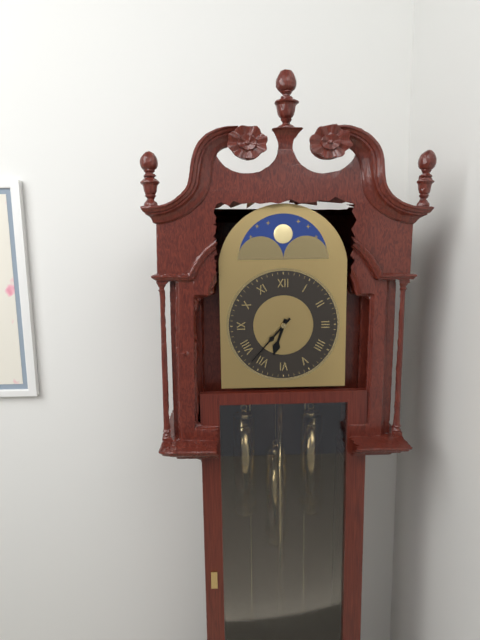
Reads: 6:37
